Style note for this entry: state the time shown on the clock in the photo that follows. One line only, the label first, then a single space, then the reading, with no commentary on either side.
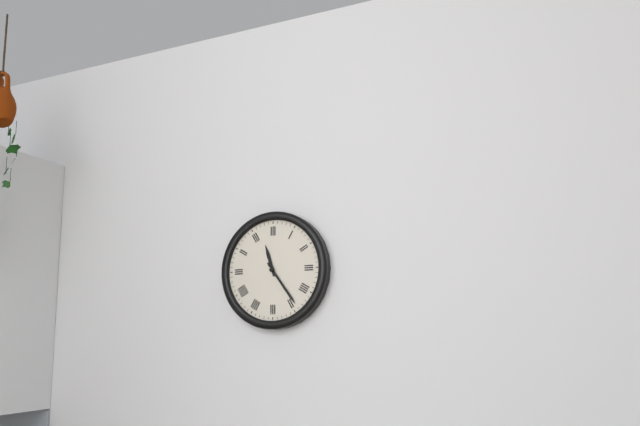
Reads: 11:24
